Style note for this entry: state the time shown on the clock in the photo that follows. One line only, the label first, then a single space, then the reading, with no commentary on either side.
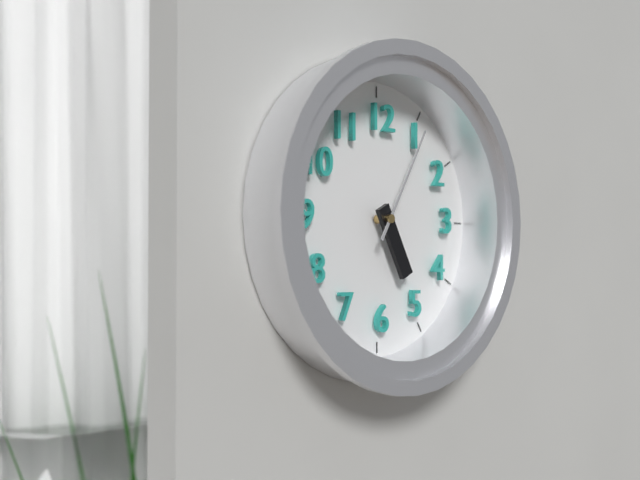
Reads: 5:05
